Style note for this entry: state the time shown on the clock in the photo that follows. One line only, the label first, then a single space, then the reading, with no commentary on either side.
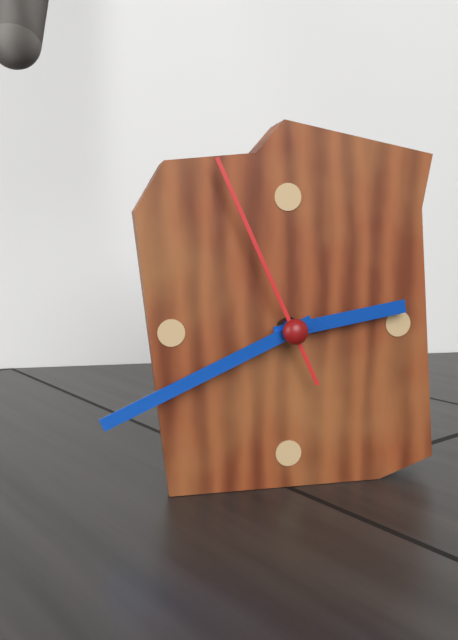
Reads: 2:41:56
